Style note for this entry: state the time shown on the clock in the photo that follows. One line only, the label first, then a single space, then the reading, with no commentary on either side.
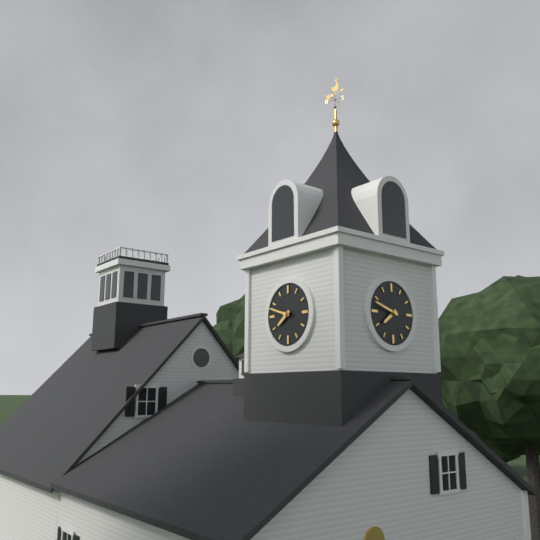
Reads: 7:48
